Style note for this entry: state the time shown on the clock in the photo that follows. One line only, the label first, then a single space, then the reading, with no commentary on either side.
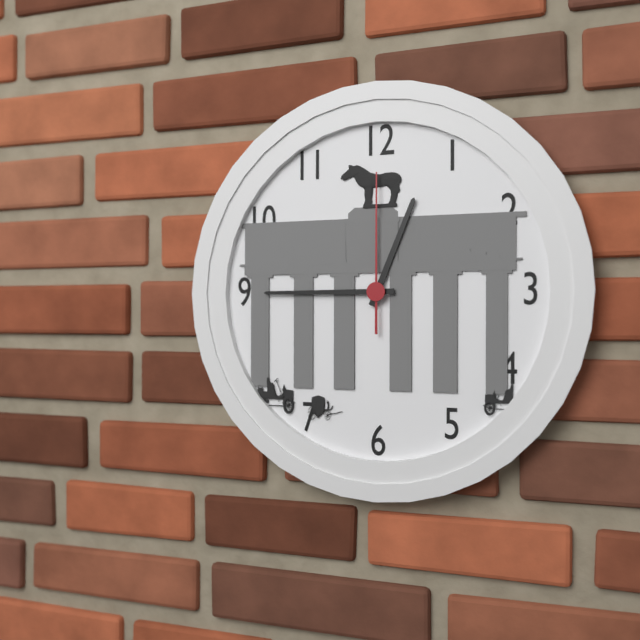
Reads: 12:45:00
